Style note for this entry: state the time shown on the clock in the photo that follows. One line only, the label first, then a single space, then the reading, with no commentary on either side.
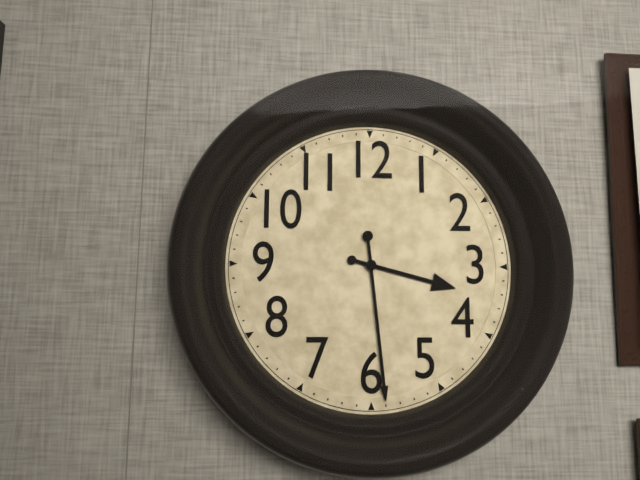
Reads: 3:29
